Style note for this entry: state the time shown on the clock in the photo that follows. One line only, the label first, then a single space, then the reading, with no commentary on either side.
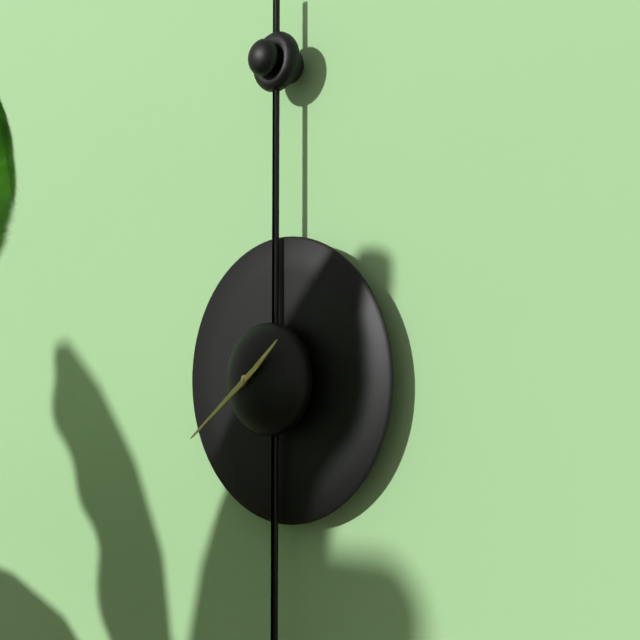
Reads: 1:39
